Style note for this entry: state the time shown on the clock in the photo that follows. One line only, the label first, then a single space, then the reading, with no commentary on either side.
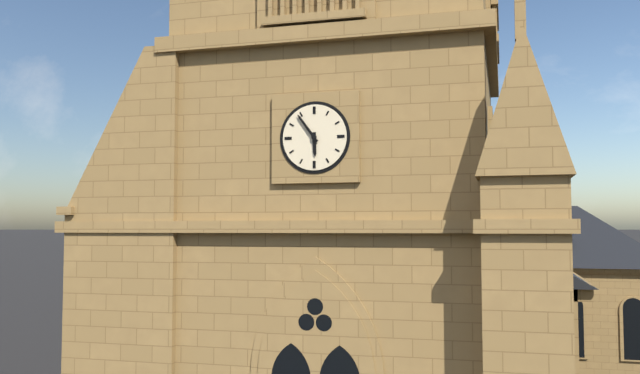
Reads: 5:54
